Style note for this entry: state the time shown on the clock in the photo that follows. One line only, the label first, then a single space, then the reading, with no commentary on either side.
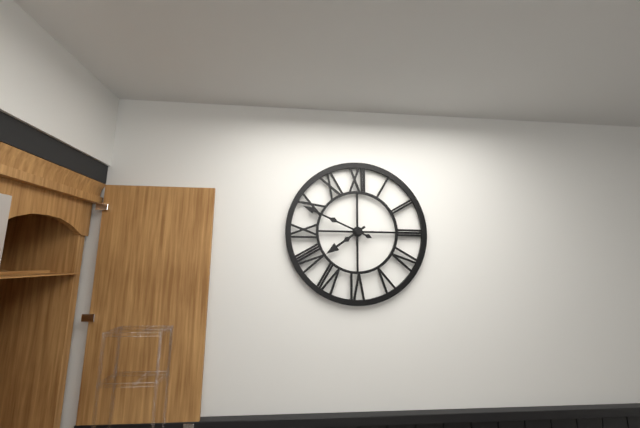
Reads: 7:49
